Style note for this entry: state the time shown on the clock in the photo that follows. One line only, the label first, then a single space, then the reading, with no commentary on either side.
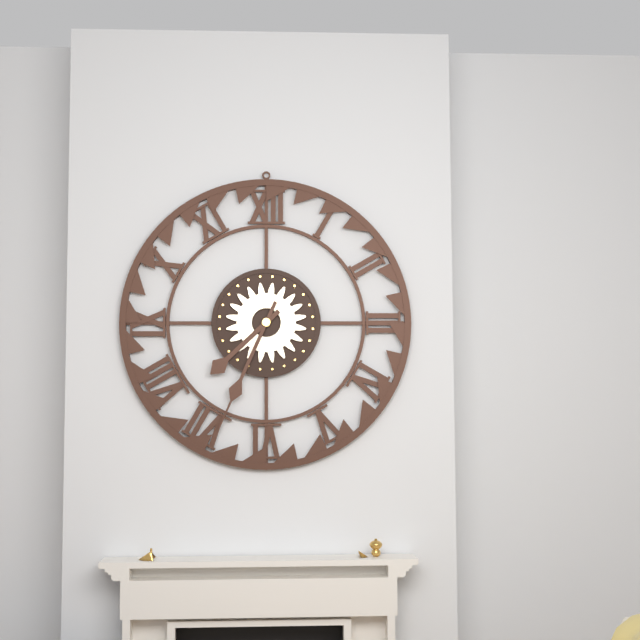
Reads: 7:34
